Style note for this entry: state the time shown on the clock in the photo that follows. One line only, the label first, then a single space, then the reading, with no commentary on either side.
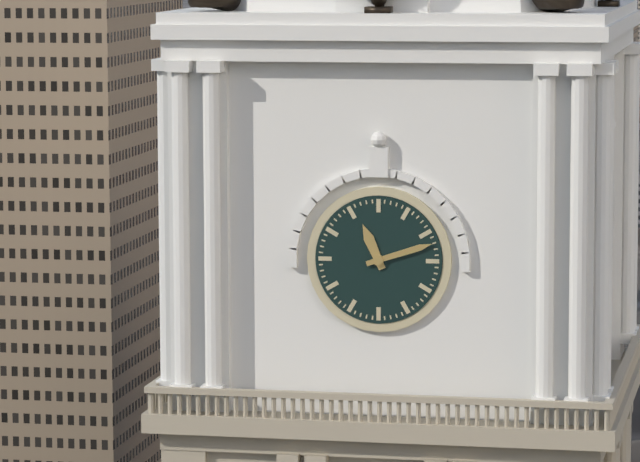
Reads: 11:12
